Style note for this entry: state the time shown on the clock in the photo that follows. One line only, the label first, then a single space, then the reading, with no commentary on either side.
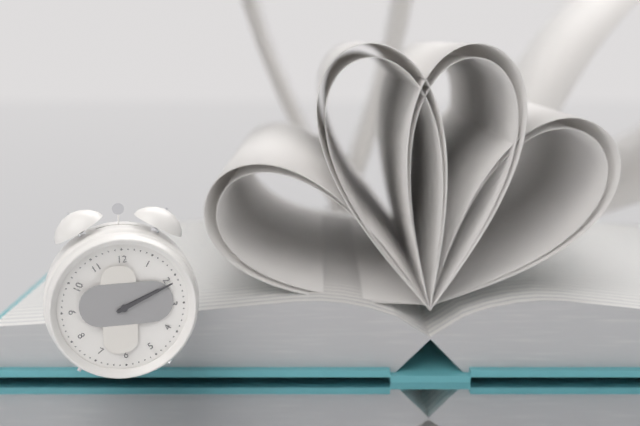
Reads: 2:11
